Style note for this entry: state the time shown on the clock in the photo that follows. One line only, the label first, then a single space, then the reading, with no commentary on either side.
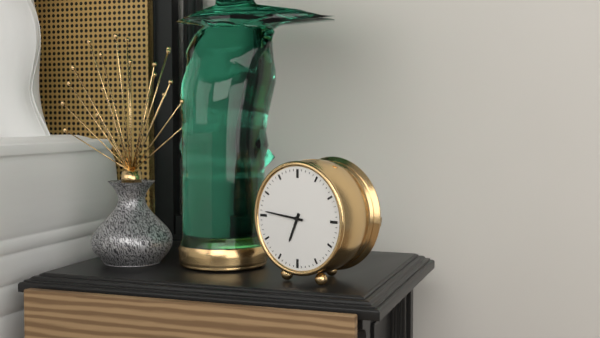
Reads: 6:46
